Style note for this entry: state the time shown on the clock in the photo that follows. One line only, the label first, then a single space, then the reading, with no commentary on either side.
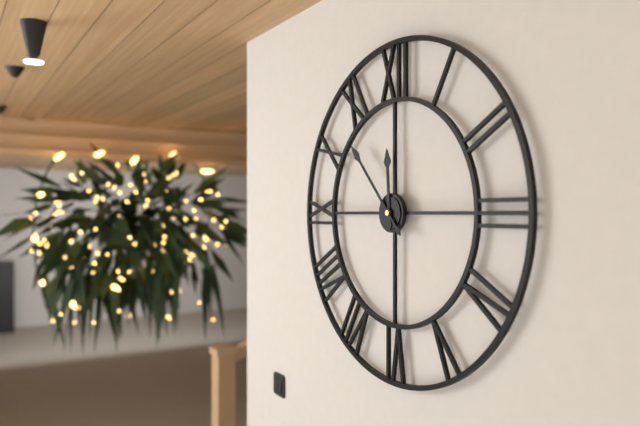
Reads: 11:53
